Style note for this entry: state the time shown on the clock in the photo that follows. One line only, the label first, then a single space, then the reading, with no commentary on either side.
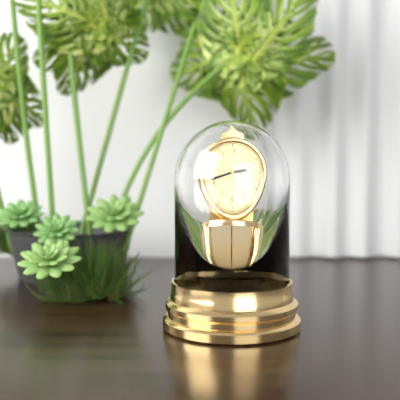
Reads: 2:42
